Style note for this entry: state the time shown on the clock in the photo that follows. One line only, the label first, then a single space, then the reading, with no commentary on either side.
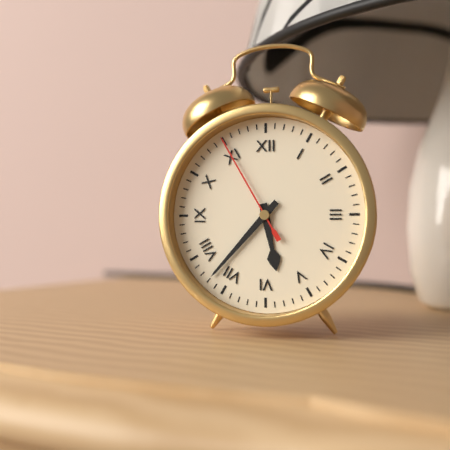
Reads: 5:37:55
